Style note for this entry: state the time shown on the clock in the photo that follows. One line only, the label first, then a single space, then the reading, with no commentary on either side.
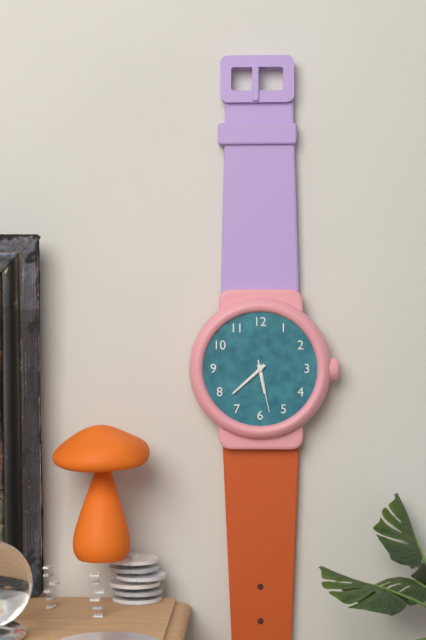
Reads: 5:38:28
